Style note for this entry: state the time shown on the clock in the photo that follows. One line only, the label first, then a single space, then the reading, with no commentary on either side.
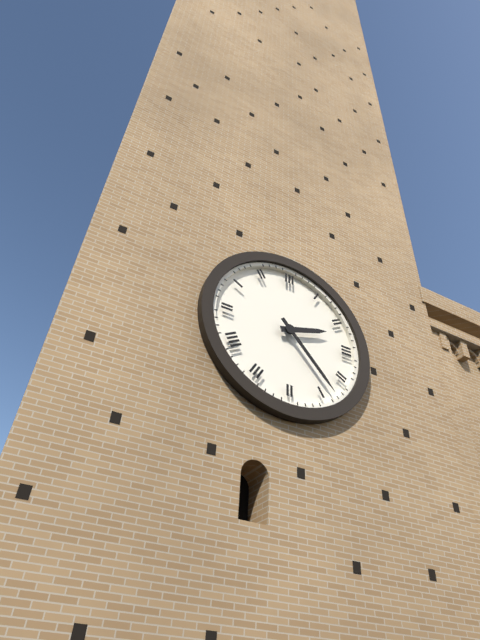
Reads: 2:23
